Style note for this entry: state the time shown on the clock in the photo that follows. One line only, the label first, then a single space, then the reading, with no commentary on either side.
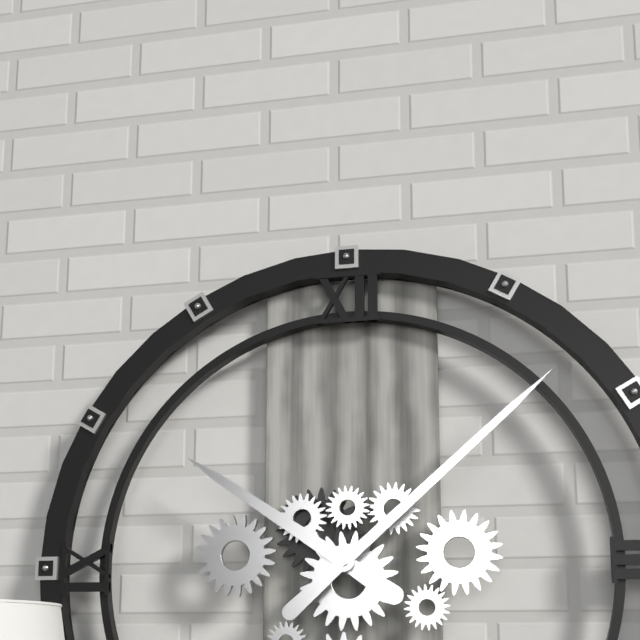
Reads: 10:08
